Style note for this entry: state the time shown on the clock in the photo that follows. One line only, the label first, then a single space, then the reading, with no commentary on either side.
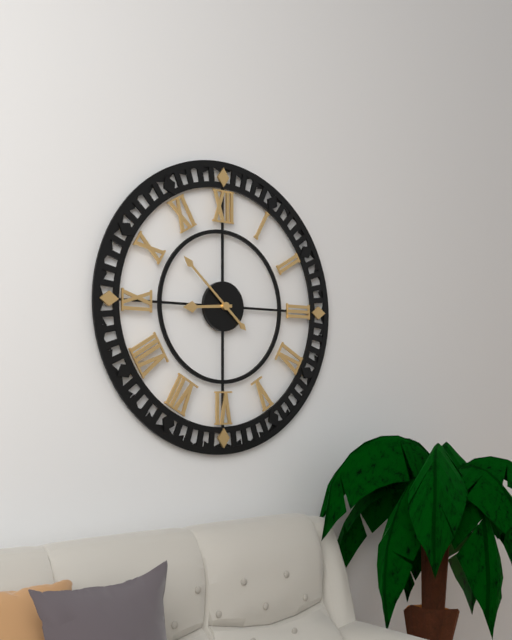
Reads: 8:52
